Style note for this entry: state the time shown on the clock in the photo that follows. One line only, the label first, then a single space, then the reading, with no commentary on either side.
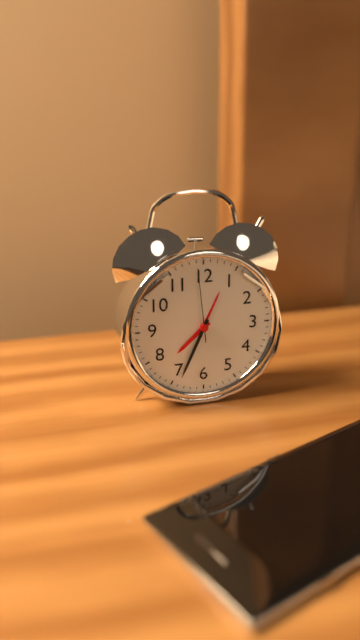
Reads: 7:34:59
